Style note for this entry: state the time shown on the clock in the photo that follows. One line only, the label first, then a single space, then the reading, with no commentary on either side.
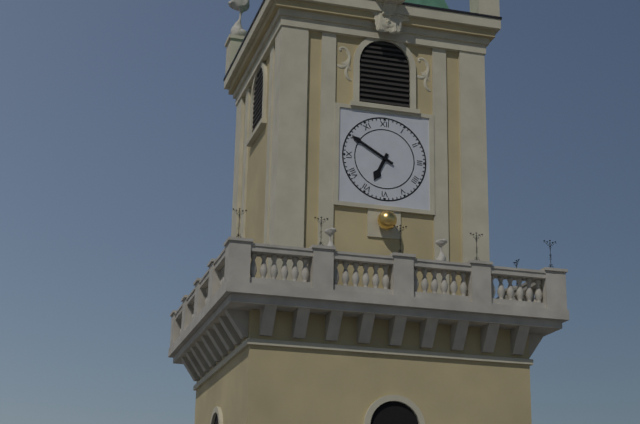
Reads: 6:50
